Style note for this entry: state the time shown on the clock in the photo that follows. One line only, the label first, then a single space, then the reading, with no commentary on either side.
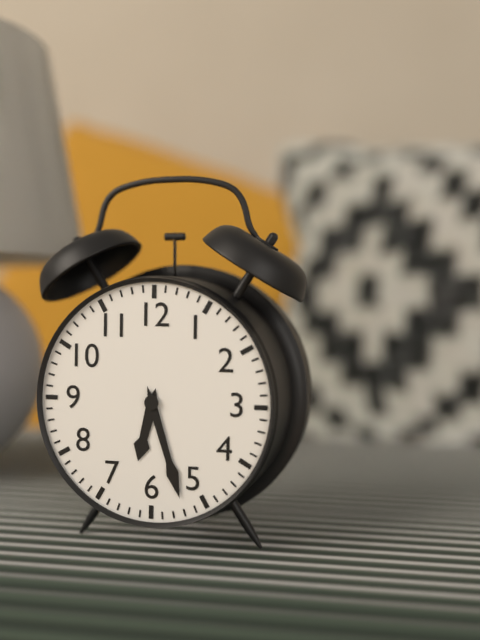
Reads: 6:27
